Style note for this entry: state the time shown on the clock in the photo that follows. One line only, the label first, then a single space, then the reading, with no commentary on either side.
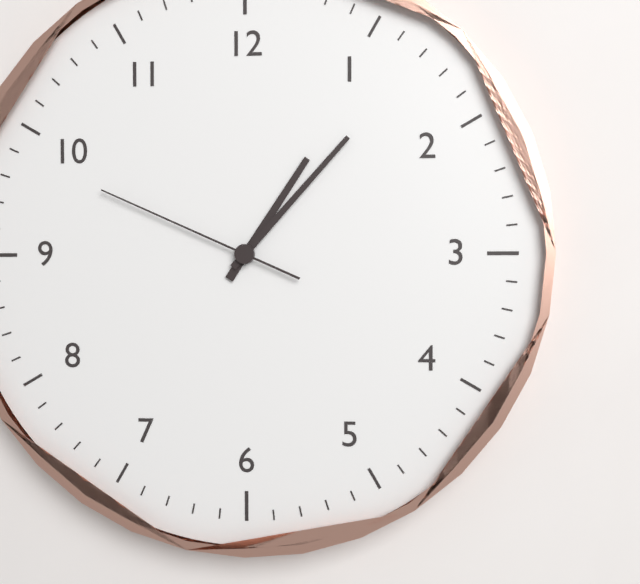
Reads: 1:07:49
